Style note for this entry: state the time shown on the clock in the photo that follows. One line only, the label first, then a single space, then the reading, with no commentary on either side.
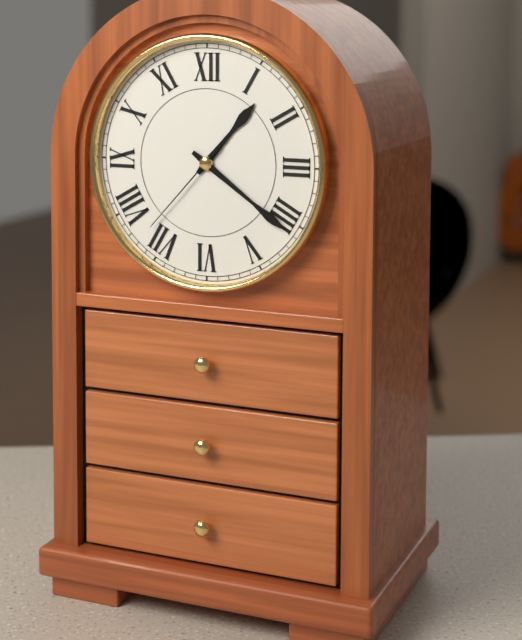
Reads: 1:21:37
